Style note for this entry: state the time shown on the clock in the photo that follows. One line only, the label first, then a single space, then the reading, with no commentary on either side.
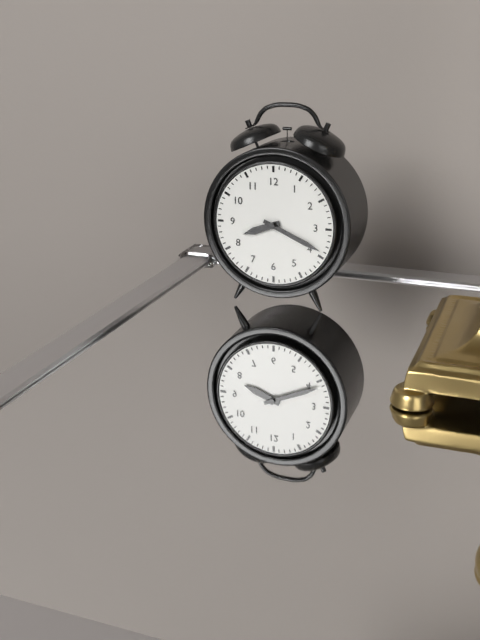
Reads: 8:19
